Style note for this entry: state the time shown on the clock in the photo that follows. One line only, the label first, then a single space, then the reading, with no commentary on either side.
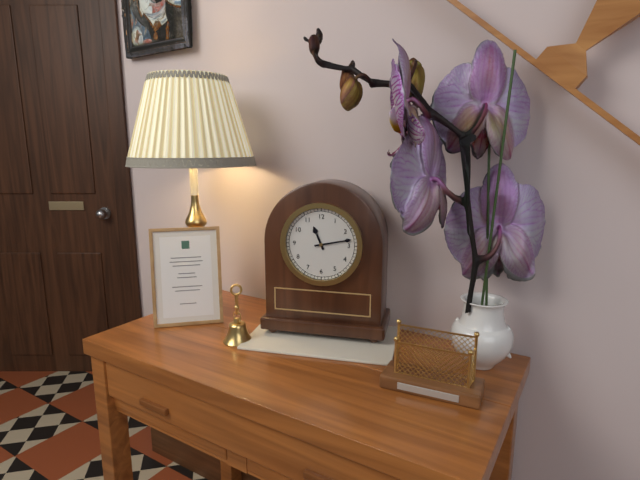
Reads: 11:13
